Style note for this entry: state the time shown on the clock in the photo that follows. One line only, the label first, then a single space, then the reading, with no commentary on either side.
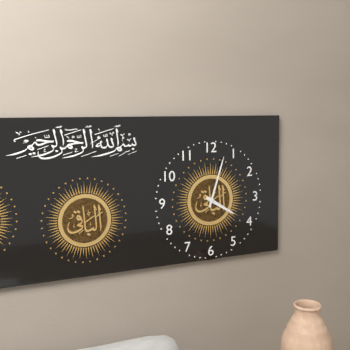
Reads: 4:03
